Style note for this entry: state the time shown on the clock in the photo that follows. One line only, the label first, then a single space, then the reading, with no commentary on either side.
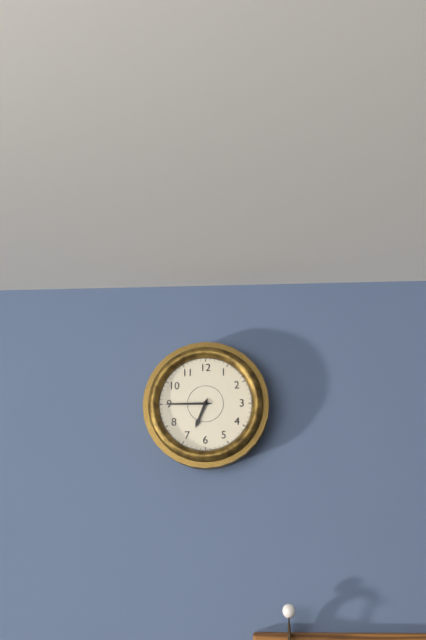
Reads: 6:45
